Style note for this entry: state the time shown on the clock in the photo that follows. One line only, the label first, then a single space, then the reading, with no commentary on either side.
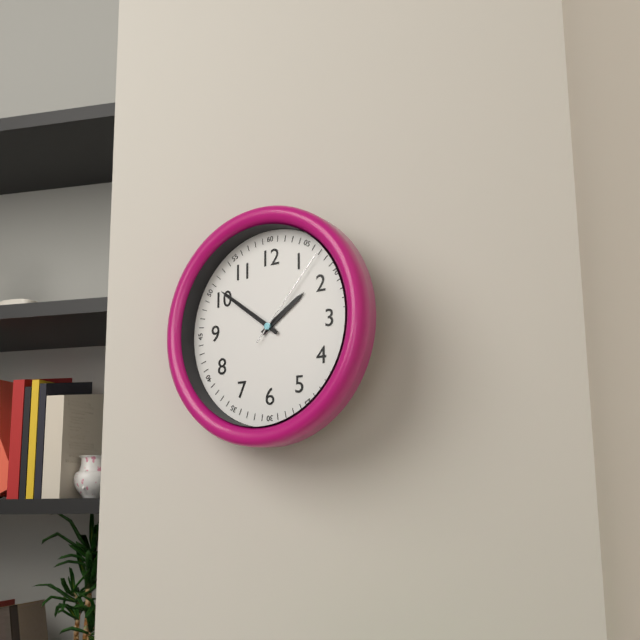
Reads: 1:51:07
